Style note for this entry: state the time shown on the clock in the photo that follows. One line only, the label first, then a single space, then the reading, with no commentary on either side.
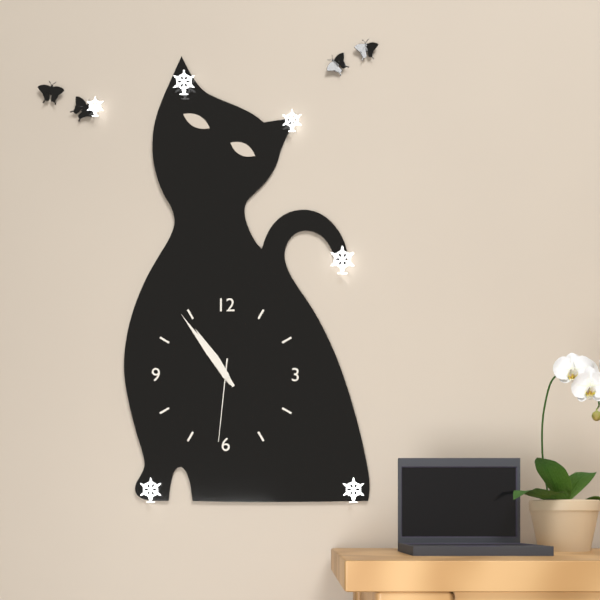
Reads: 10:54:31
